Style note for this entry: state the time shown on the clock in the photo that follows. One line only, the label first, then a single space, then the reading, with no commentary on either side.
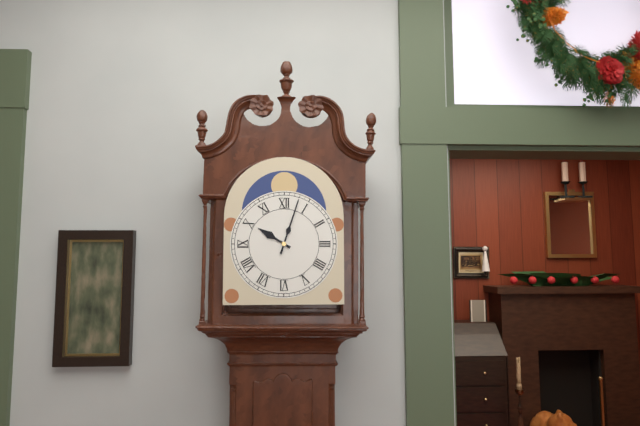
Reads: 10:03
